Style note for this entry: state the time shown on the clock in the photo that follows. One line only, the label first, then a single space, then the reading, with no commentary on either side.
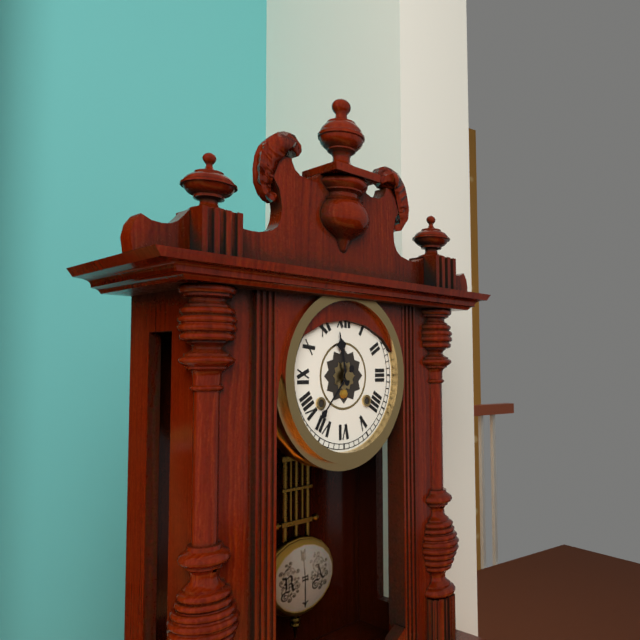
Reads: 11:37
